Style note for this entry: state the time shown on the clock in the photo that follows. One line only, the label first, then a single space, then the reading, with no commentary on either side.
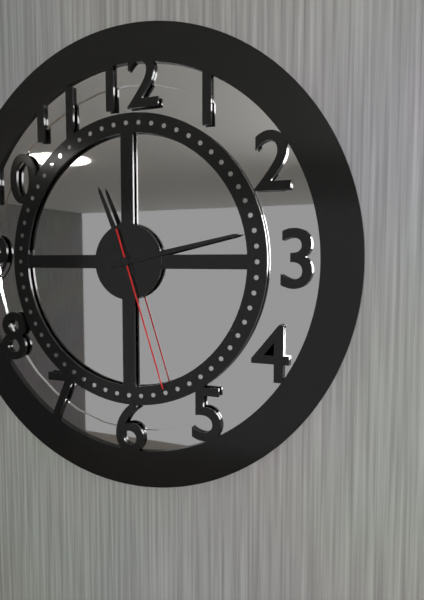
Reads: 11:13:27
